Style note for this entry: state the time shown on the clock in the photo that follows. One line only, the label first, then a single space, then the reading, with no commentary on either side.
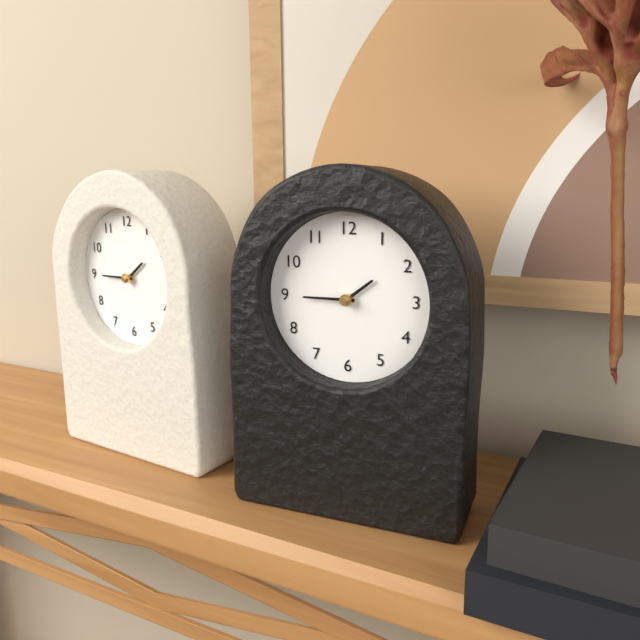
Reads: 1:45
